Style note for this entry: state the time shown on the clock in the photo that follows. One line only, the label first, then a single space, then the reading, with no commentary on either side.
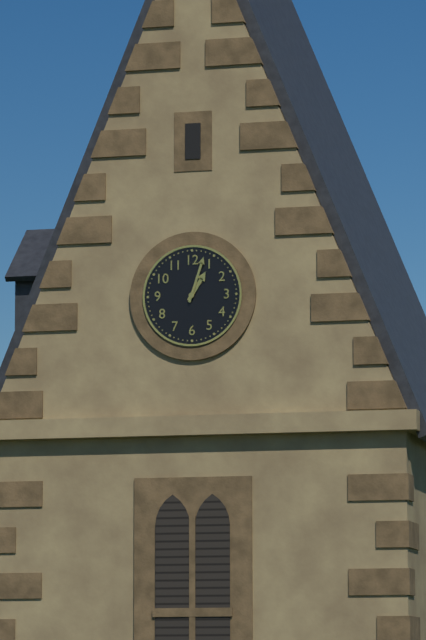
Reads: 1:03
